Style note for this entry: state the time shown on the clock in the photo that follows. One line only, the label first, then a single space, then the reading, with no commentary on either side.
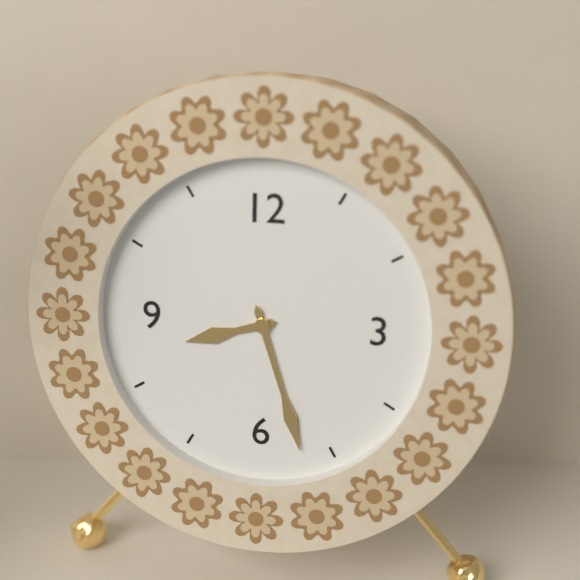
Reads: 8:27
